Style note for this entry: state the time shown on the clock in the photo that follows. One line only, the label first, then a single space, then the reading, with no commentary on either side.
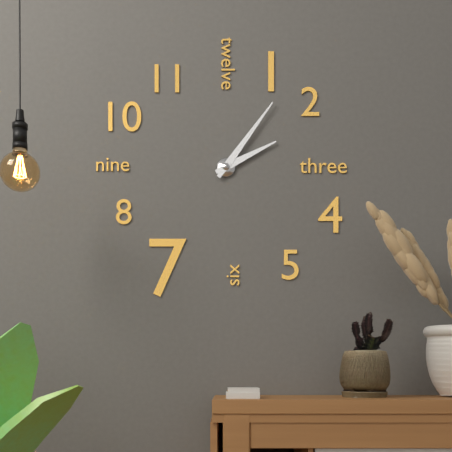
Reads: 2:06
